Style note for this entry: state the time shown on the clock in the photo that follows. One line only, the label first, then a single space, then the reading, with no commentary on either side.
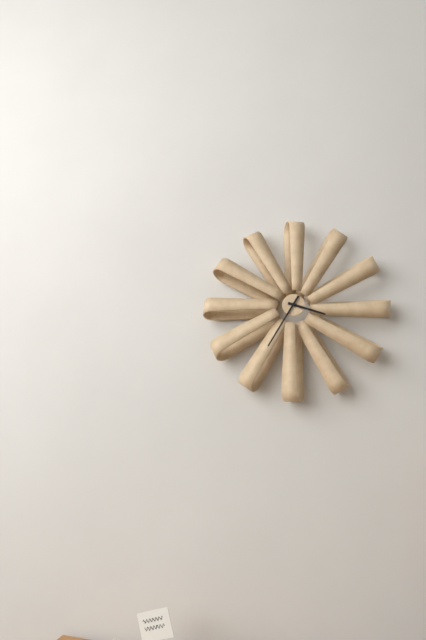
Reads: 3:35
